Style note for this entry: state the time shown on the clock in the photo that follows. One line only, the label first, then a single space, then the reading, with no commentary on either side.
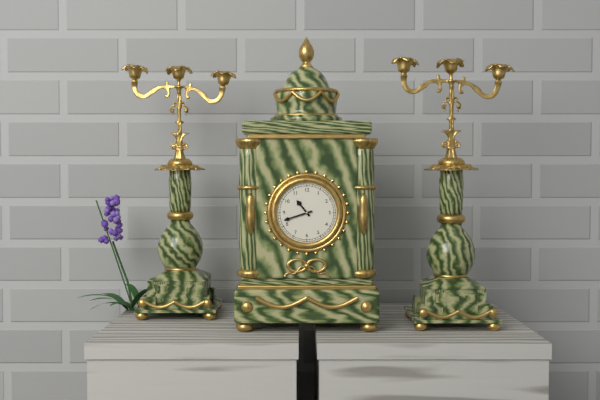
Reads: 10:42
